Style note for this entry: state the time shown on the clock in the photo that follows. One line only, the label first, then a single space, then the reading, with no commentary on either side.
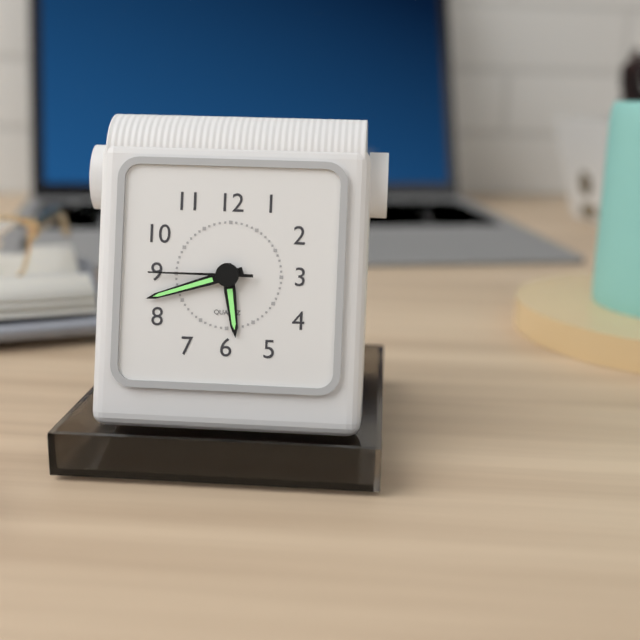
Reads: 5:42:45
